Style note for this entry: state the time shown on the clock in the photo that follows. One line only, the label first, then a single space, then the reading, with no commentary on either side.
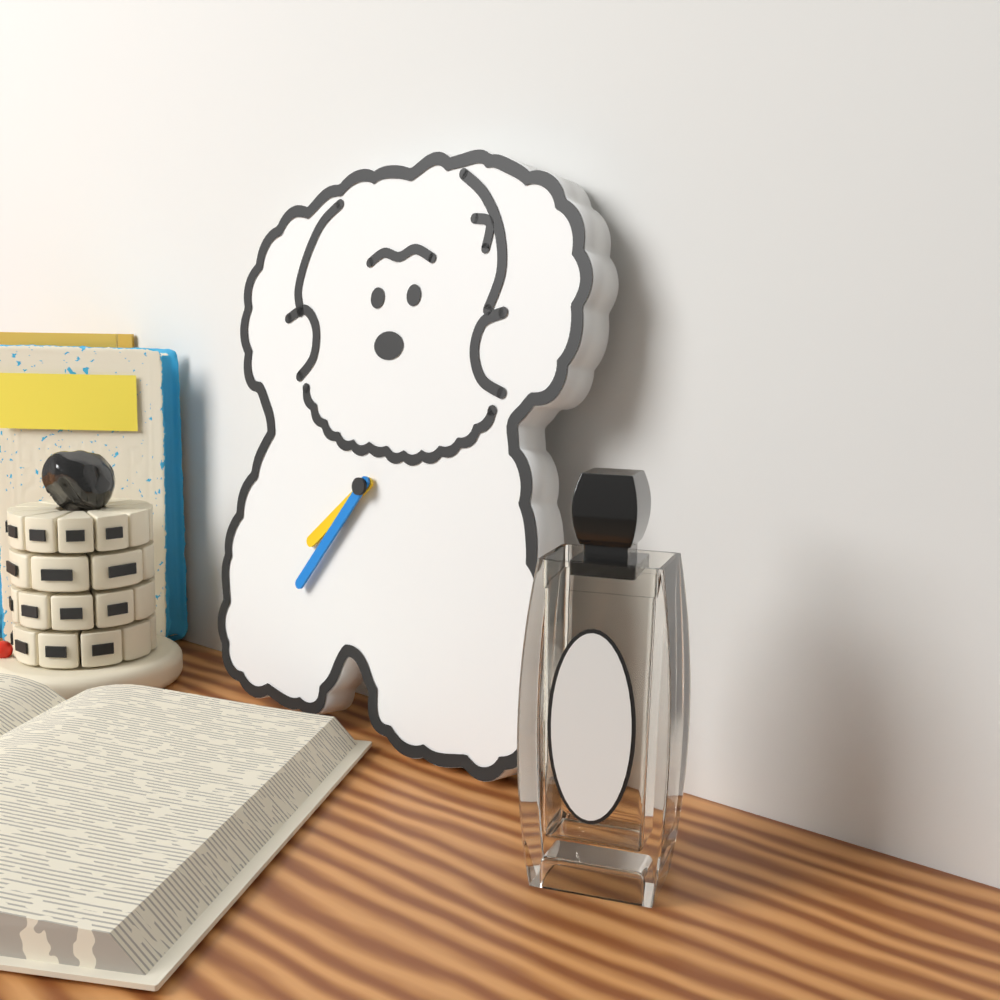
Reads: 7:36
